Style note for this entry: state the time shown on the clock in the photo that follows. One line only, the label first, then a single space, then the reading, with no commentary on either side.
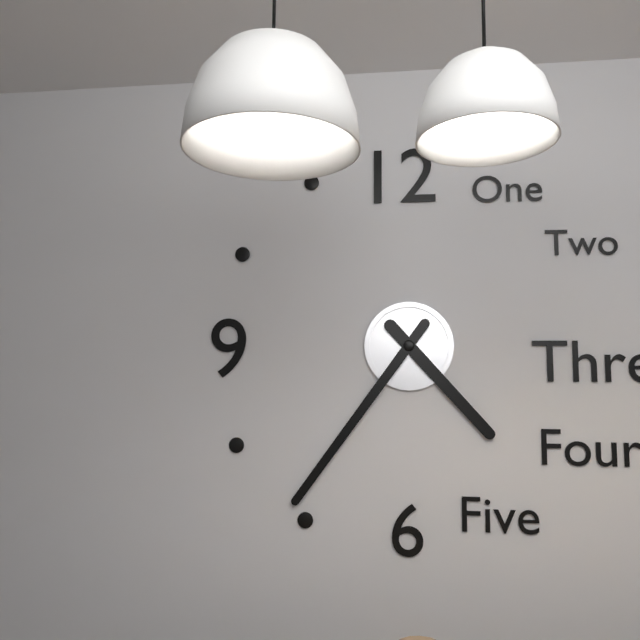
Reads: 4:36
